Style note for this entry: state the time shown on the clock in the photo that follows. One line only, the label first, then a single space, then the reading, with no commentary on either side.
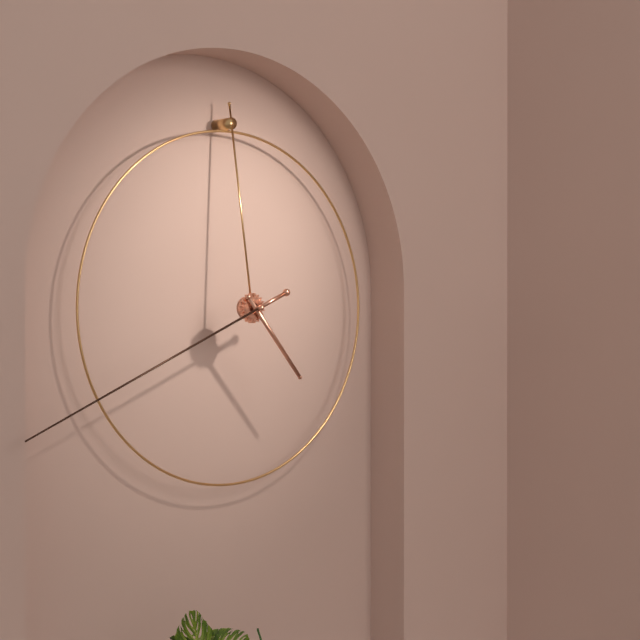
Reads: 4:41
